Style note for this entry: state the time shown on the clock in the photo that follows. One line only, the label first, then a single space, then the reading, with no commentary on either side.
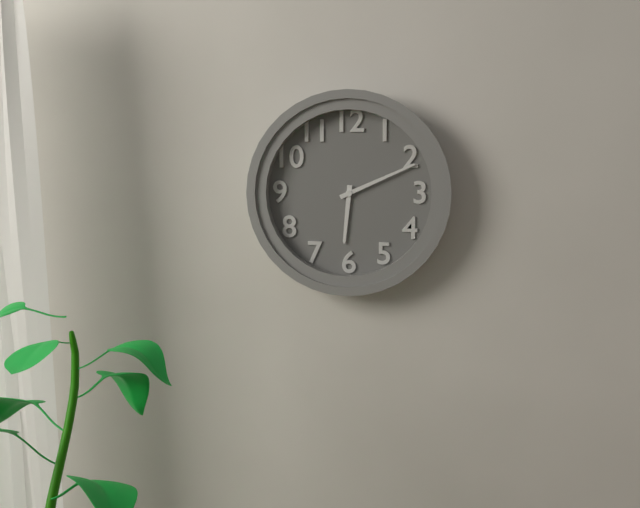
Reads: 6:11
